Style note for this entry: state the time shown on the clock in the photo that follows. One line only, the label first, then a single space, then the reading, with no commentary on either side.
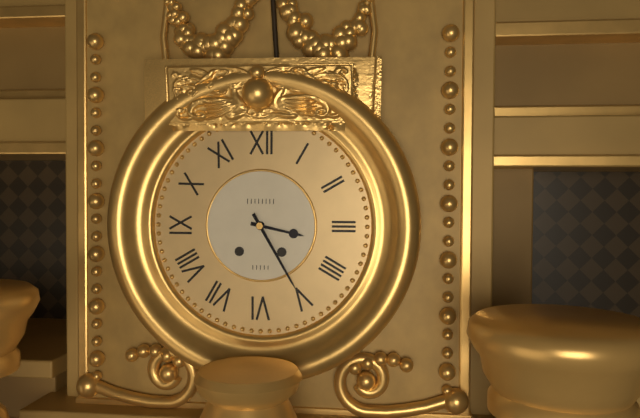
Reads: 3:25
